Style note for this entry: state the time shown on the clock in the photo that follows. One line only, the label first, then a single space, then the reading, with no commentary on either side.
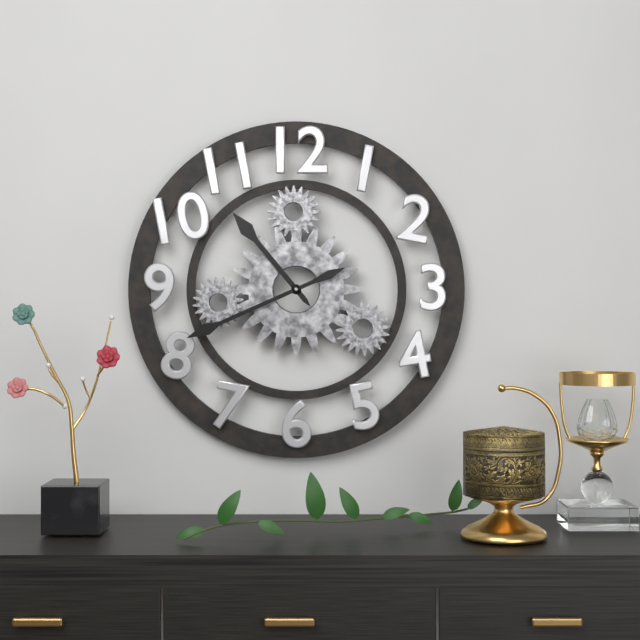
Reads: 10:41
